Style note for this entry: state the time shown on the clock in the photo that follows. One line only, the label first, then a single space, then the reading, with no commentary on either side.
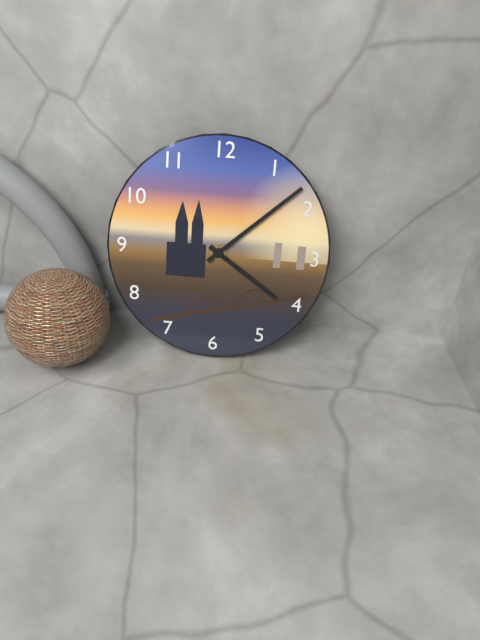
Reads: 4:08
